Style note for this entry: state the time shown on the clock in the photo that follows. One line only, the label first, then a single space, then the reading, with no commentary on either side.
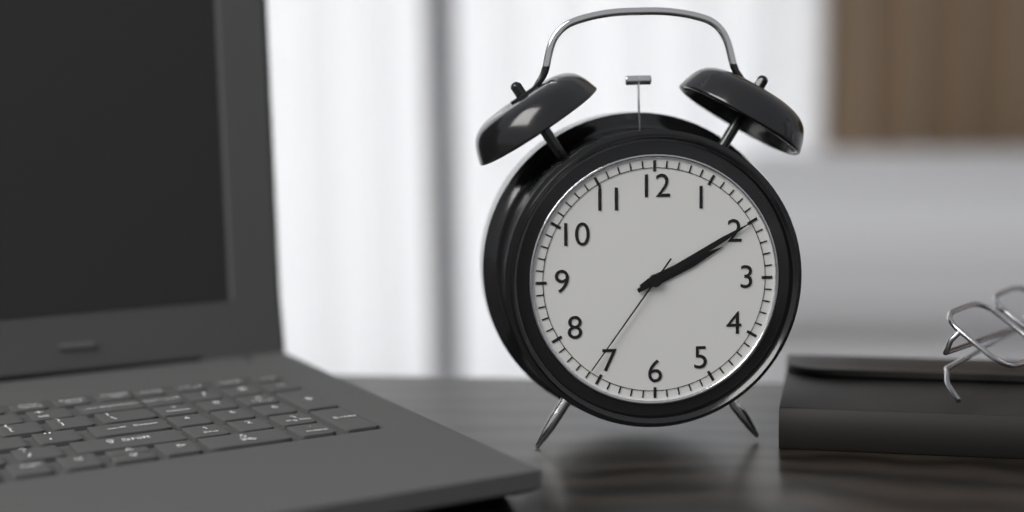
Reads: 2:10:36
